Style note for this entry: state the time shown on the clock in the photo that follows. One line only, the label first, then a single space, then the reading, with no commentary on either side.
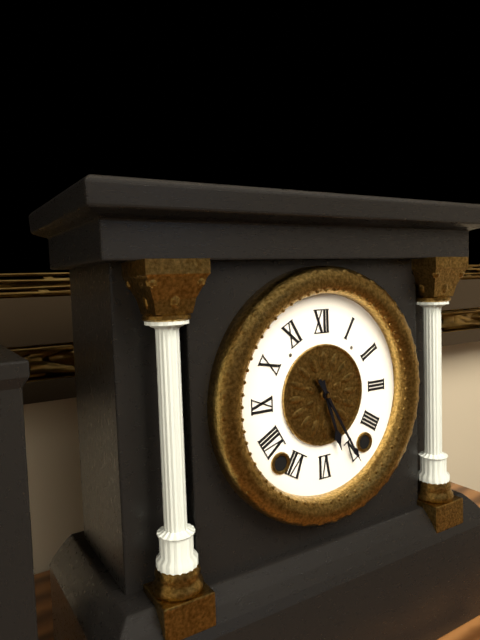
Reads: 5:25
